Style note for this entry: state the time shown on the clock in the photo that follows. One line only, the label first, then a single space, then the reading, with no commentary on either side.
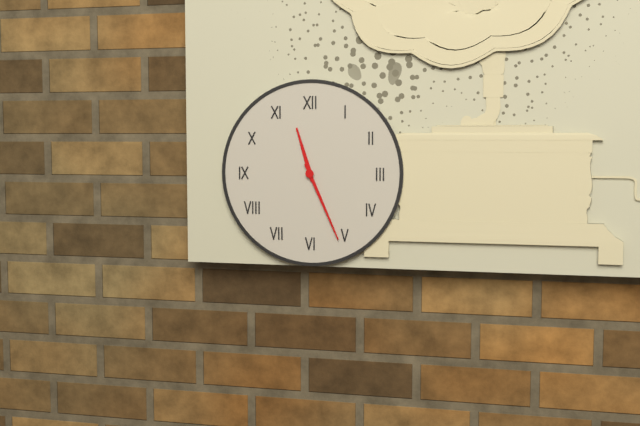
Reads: 11:26
